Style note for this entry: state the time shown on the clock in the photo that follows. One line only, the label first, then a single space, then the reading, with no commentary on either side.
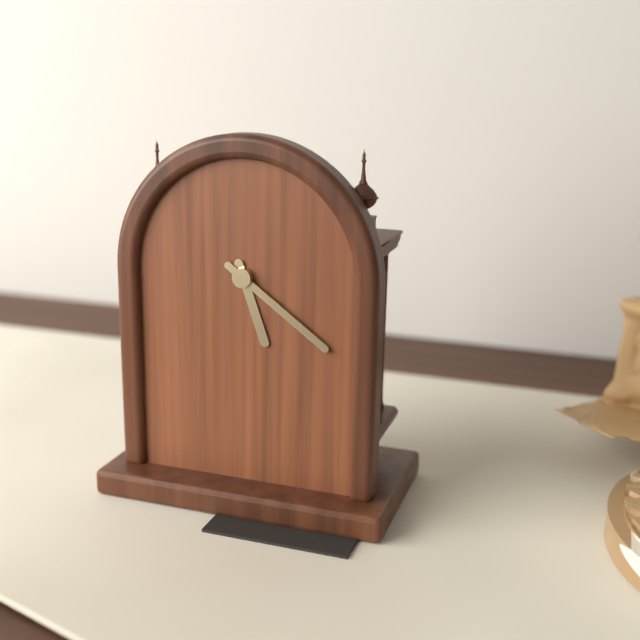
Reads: 5:21
